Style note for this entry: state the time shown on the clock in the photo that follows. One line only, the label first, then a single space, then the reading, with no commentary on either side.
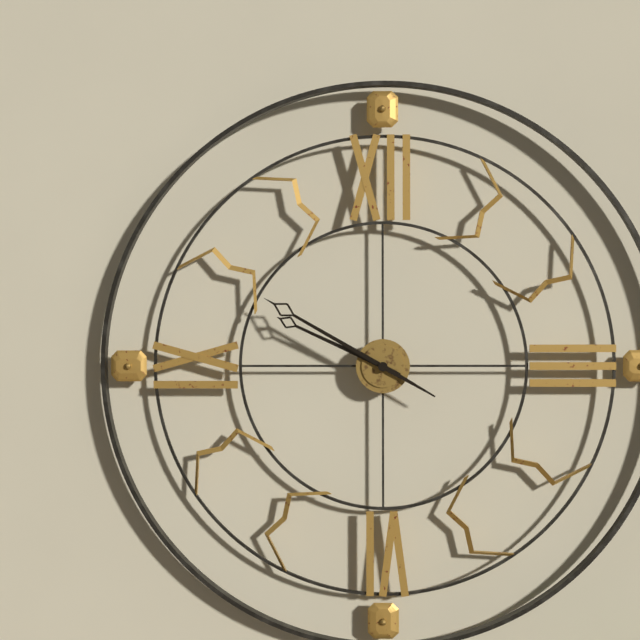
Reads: 9:50
